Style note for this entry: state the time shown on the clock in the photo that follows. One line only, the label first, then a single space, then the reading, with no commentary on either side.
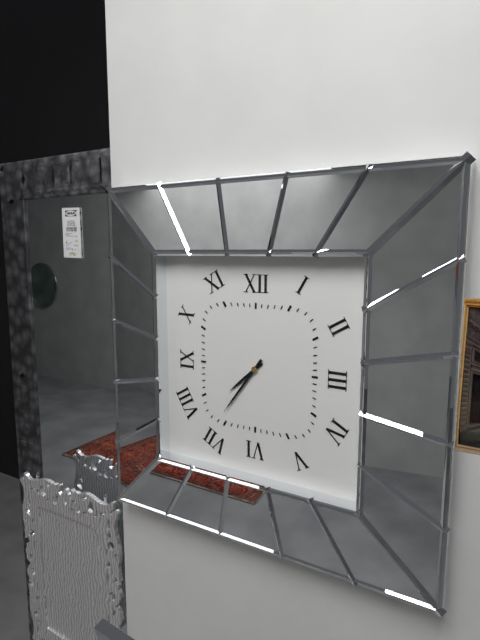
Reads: 7:36
